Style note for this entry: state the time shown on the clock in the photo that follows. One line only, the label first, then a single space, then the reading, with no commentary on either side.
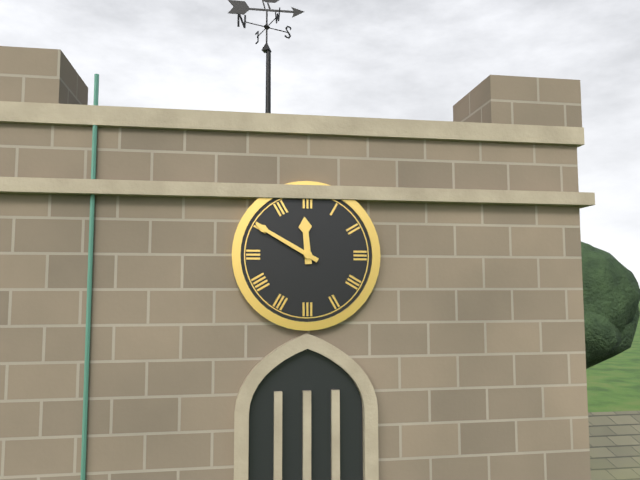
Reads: 11:50
